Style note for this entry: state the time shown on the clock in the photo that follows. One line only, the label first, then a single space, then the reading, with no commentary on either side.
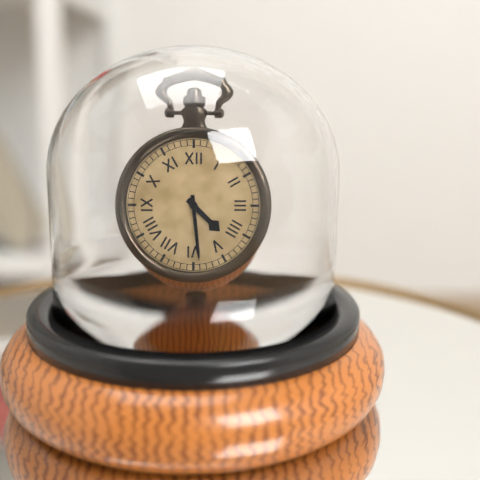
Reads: 4:29
